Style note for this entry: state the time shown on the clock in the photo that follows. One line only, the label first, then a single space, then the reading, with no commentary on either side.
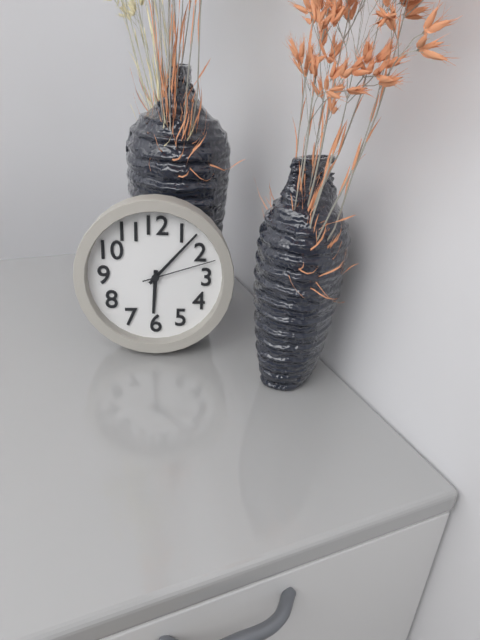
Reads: 6:07:12
